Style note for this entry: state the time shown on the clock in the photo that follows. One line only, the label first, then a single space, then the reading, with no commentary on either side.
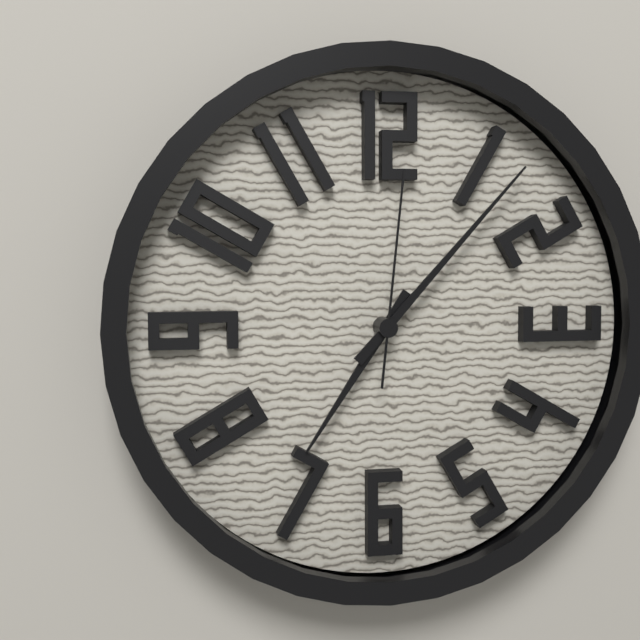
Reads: 7:07:01
